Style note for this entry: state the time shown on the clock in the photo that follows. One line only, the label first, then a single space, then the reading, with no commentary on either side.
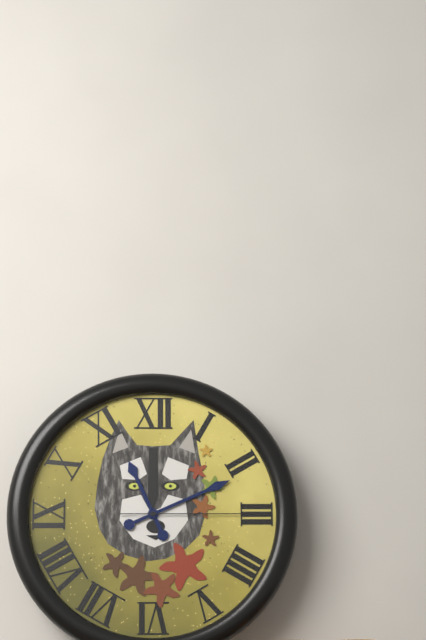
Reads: 11:11:15
